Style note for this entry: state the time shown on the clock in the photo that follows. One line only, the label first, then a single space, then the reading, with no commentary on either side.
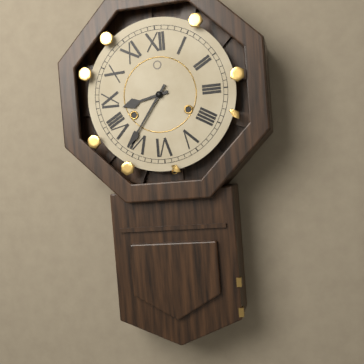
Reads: 8:36
